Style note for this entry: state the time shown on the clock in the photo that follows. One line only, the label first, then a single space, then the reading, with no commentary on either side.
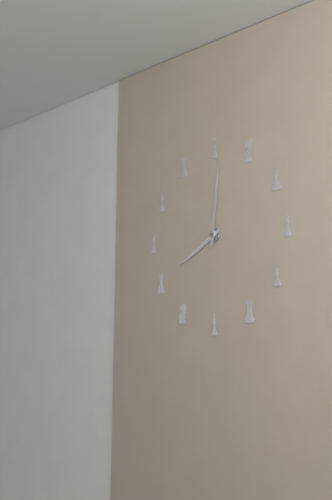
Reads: 8:01
